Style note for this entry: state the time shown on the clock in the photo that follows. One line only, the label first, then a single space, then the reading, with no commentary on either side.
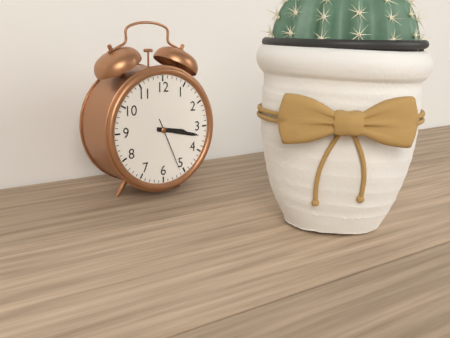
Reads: 3:17:26
